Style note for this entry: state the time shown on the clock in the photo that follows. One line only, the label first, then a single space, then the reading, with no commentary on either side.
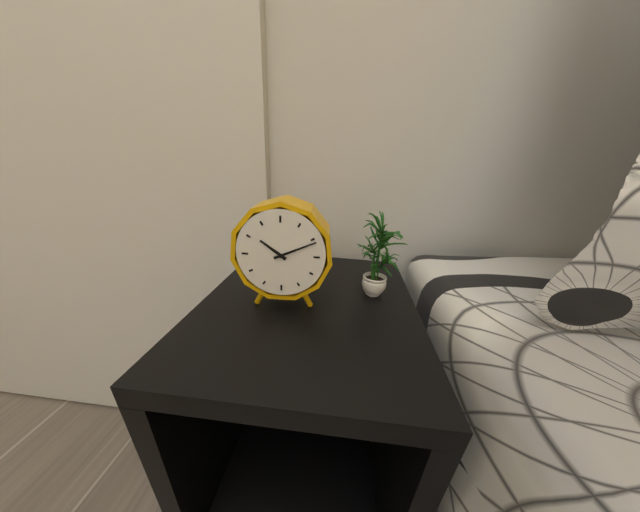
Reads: 10:11
